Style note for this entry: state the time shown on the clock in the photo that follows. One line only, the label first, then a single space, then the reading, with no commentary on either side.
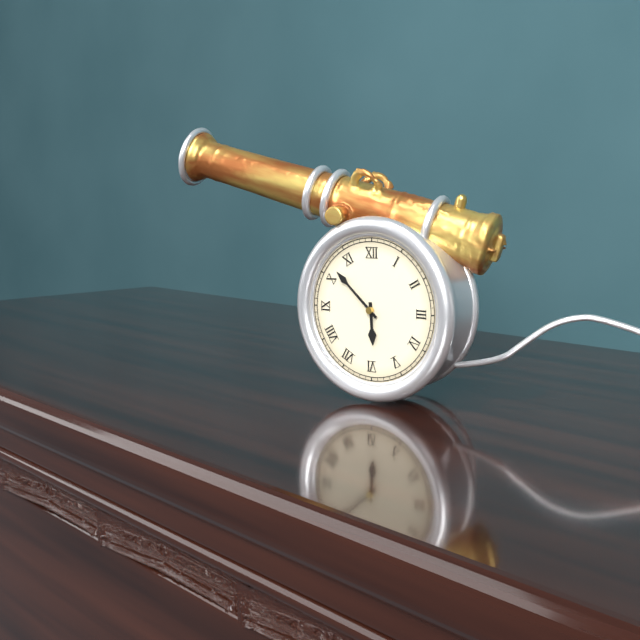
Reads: 5:52
